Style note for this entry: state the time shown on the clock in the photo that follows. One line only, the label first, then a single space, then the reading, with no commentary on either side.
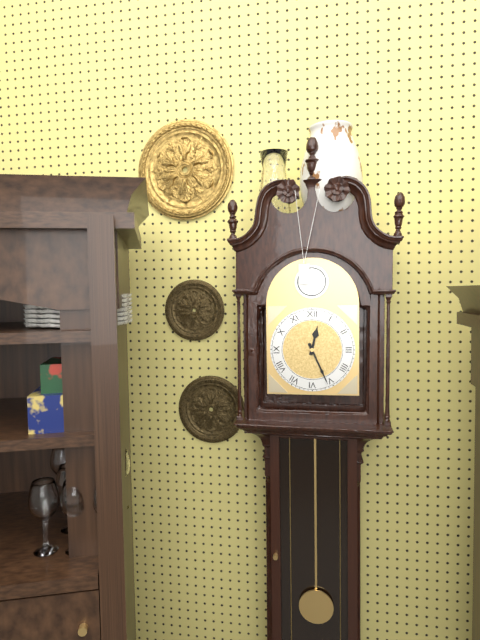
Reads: 12:26
